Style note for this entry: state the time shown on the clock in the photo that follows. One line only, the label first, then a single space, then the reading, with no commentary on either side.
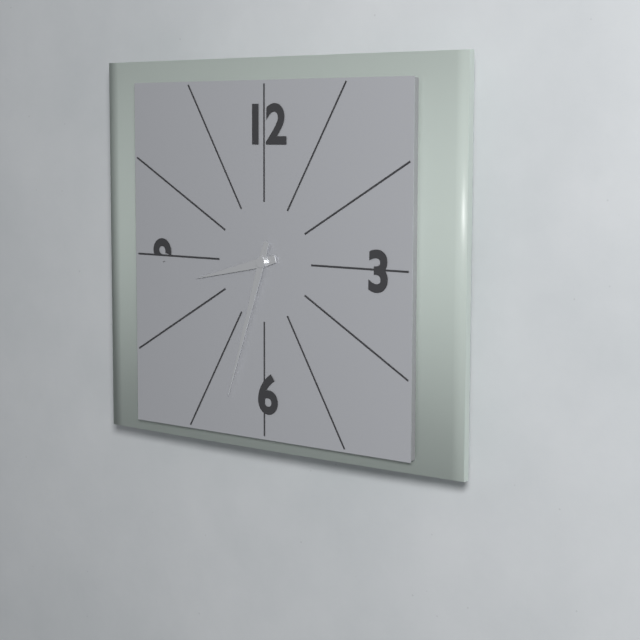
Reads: 8:33
